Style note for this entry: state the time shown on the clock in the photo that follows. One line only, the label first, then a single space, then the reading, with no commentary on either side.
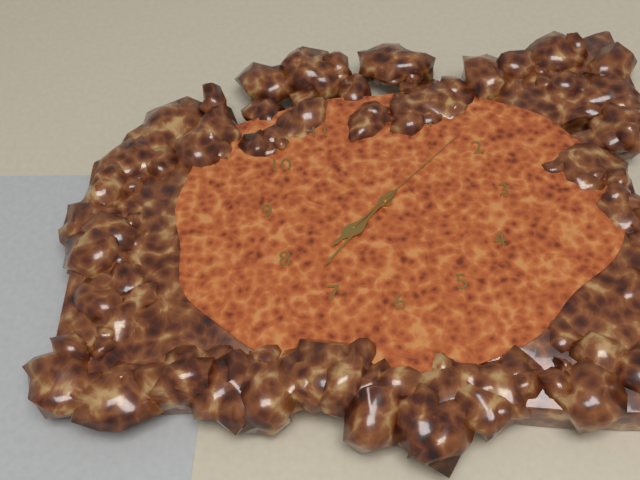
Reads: 7:37:08
